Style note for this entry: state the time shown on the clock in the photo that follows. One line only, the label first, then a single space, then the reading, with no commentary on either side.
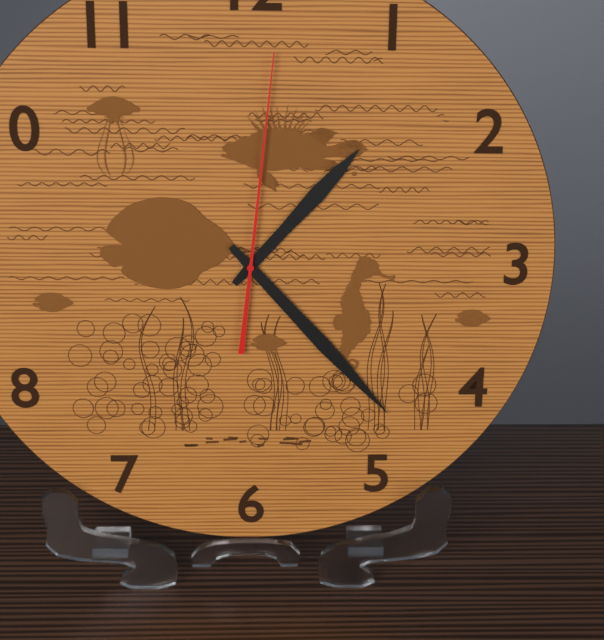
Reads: 1:23:01
